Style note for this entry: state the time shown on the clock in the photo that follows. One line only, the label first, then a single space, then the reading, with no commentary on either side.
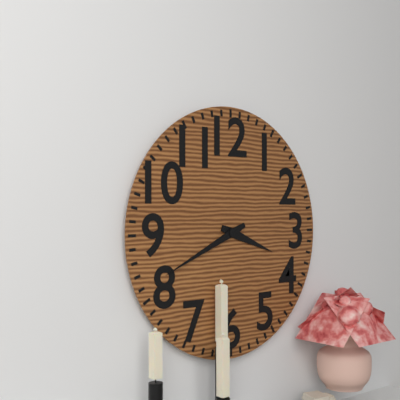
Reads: 3:41
